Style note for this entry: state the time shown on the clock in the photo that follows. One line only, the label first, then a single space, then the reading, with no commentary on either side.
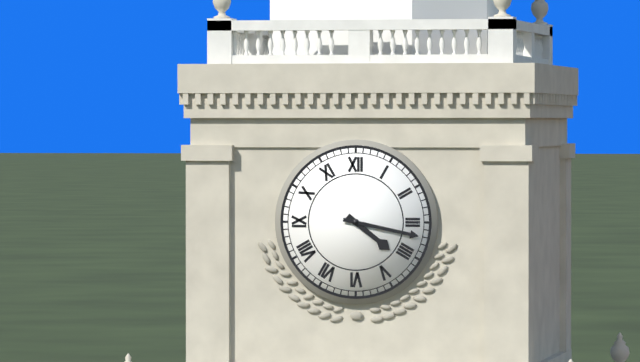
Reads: 4:17
